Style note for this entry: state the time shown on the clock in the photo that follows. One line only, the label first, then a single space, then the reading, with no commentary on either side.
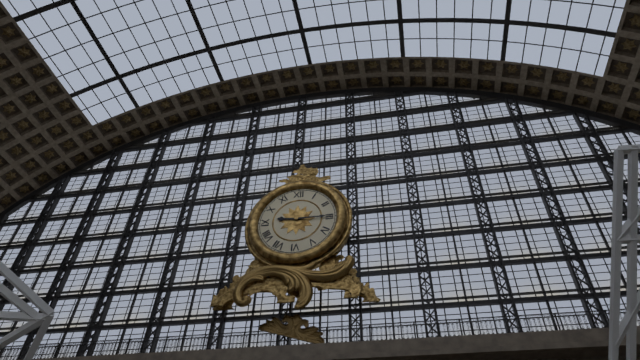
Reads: 9:15
